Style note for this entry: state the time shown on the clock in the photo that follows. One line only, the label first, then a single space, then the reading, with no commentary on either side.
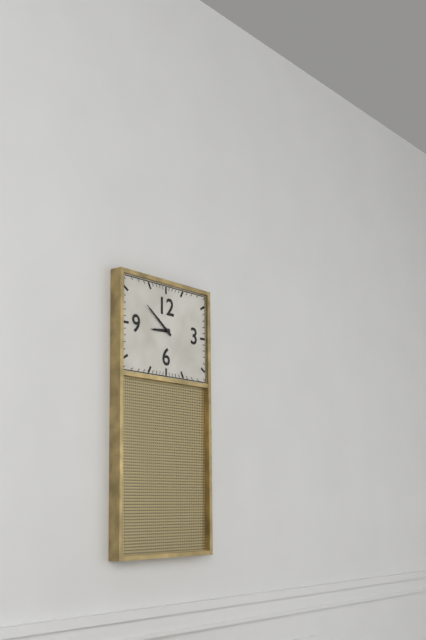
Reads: 8:51
